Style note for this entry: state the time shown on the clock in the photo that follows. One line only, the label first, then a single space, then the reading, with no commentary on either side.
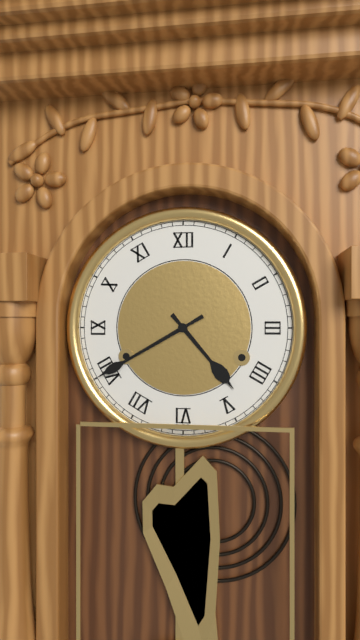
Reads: 4:40
